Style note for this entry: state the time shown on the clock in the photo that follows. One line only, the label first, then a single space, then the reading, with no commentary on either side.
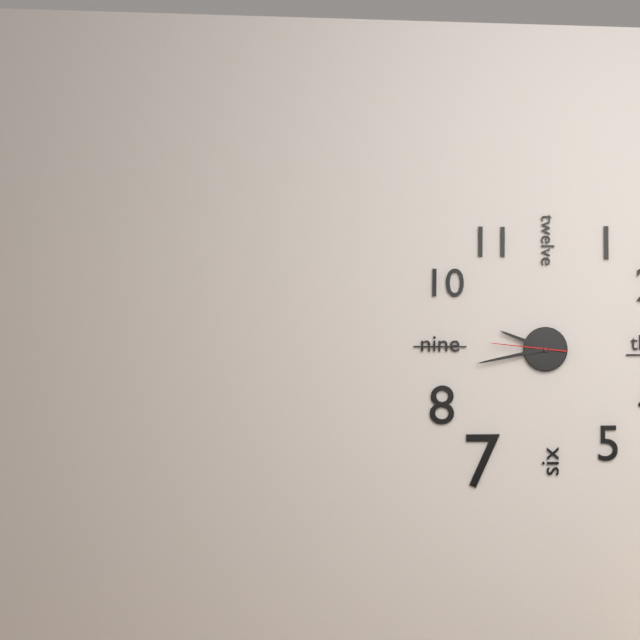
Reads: 9:43:46
